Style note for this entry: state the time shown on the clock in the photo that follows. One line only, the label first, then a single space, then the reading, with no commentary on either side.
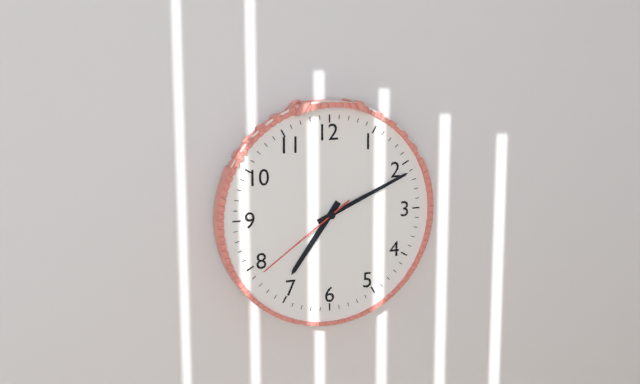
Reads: 7:11:39
